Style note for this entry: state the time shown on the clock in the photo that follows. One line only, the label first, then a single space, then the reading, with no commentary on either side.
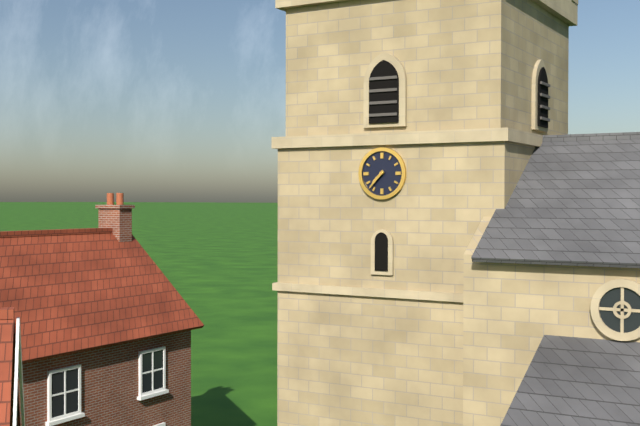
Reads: 7:37
